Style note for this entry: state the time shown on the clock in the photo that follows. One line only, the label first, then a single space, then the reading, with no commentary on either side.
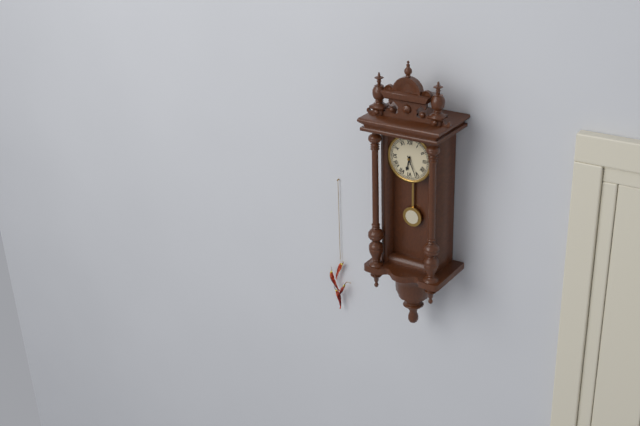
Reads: 6:26
